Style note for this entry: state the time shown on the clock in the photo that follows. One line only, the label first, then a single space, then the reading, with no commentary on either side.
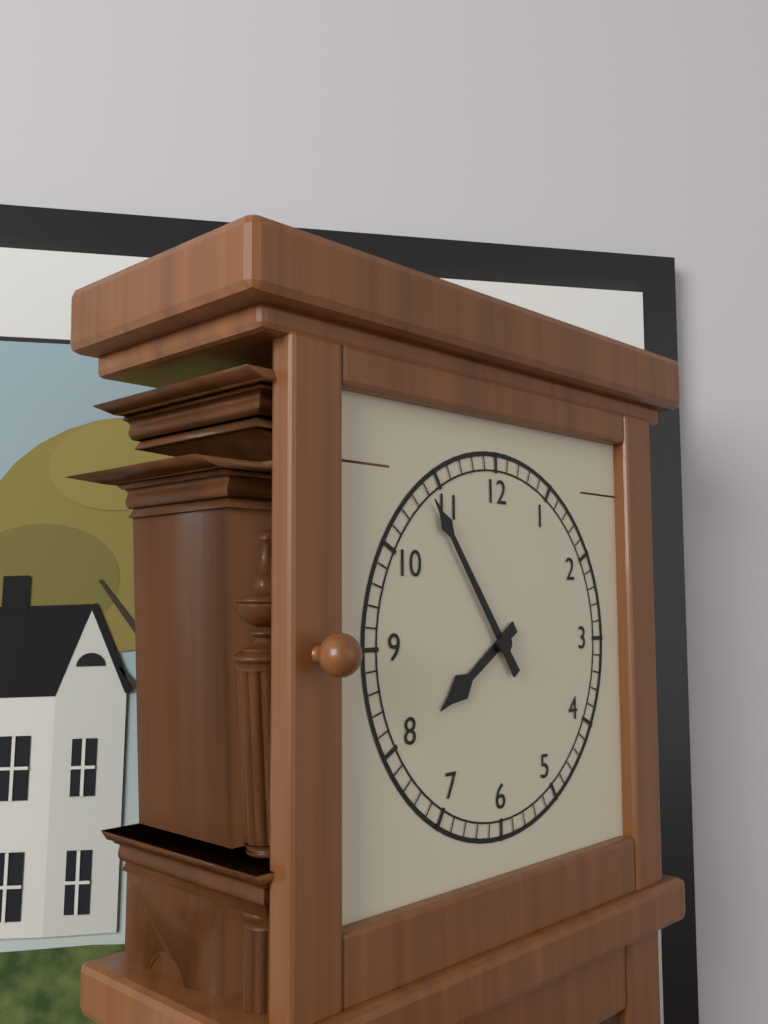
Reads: 7:54
